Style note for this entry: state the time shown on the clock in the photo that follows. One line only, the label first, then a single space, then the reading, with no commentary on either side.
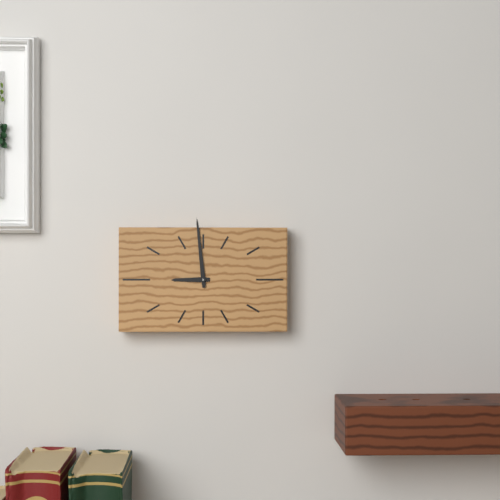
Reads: 8:59
